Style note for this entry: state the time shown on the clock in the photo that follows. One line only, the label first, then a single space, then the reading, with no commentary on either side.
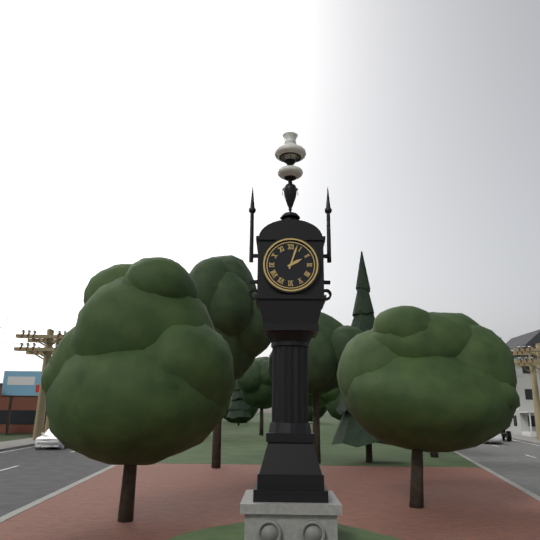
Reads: 2:03
